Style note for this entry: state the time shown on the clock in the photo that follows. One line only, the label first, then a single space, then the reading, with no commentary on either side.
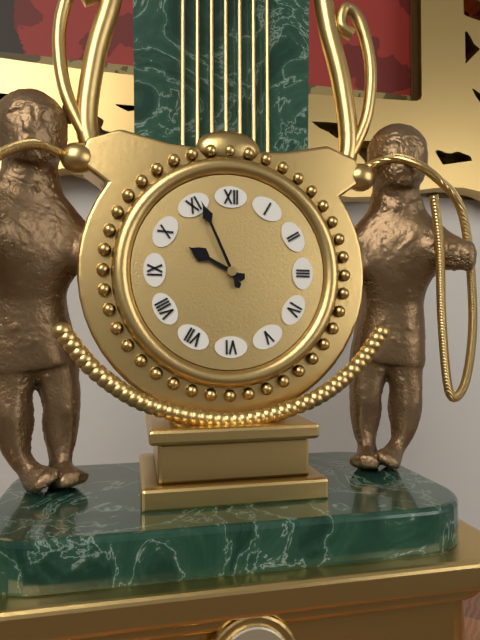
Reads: 9:56
